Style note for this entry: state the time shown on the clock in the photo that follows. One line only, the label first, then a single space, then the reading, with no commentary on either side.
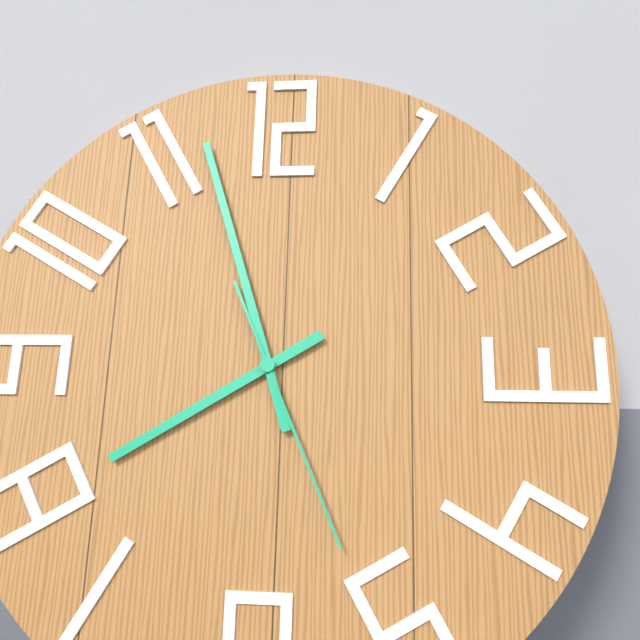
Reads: 7:57:26
